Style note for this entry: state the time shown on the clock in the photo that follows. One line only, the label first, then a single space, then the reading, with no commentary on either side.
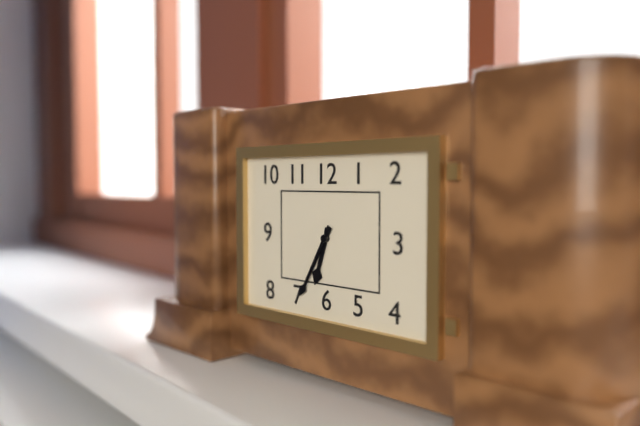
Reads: 6:35
